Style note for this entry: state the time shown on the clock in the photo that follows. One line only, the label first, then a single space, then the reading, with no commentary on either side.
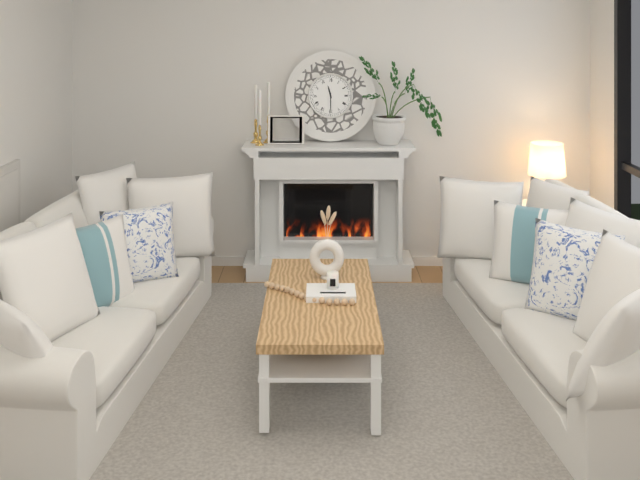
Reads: 11:30
